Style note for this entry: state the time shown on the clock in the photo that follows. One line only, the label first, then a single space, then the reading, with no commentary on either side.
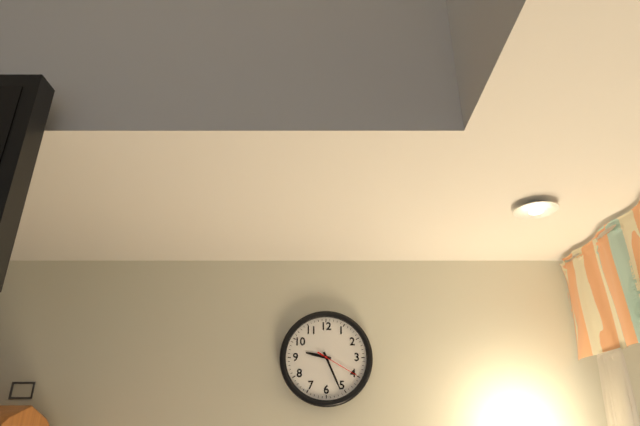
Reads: 9:26
